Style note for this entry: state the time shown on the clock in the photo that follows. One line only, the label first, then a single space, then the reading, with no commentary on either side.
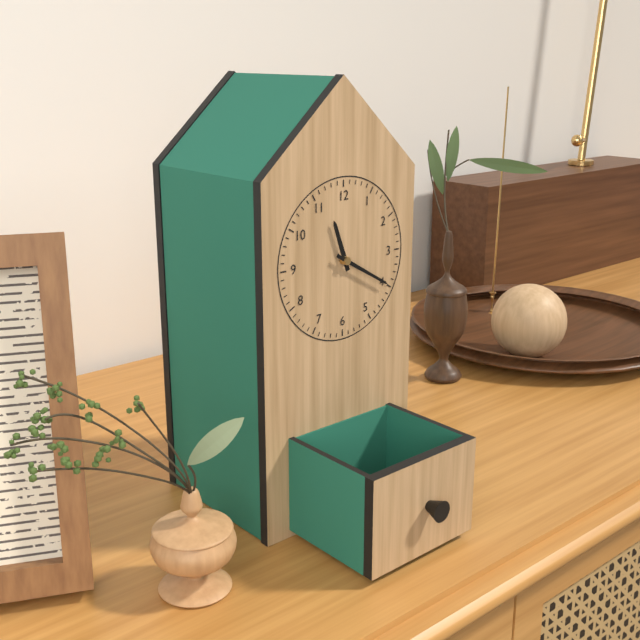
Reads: 11:20
